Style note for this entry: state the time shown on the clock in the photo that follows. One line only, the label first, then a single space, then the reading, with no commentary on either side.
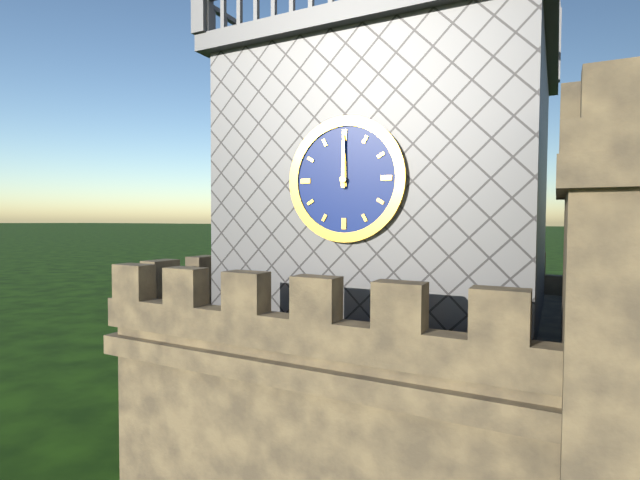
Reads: 12:00
